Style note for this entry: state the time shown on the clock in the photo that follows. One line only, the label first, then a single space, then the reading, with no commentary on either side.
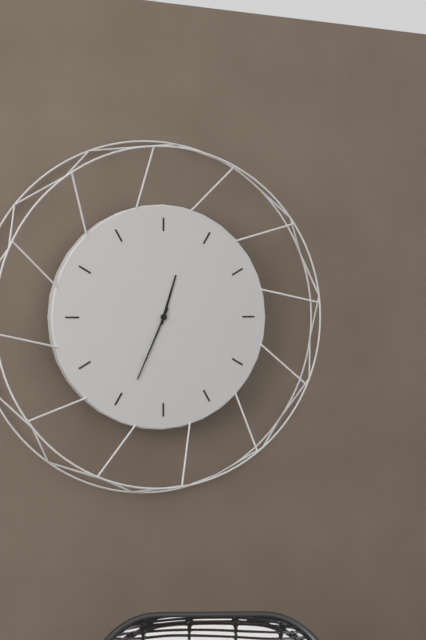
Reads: 12:34
